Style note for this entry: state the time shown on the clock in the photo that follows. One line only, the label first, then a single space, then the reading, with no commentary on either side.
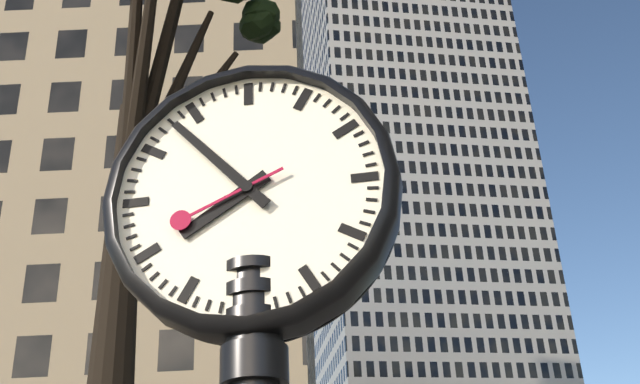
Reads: 7:53:41
